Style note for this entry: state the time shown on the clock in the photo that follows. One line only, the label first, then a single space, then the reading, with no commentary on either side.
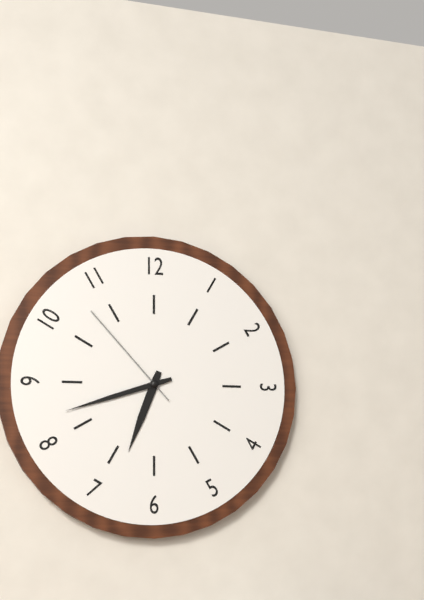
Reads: 6:42:53
